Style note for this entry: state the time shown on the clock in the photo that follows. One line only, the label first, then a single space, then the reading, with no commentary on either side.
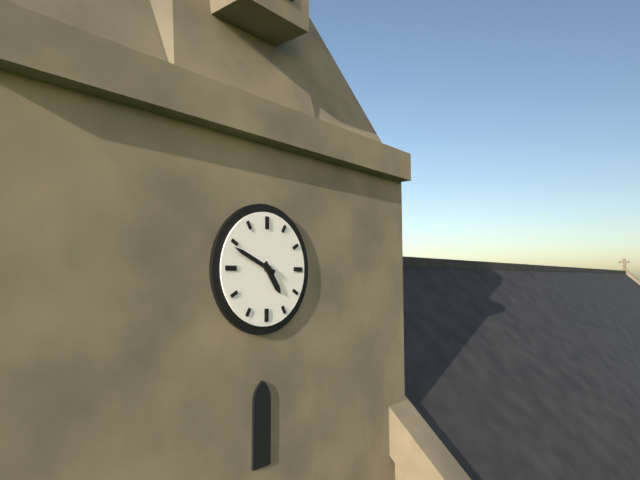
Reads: 4:49
